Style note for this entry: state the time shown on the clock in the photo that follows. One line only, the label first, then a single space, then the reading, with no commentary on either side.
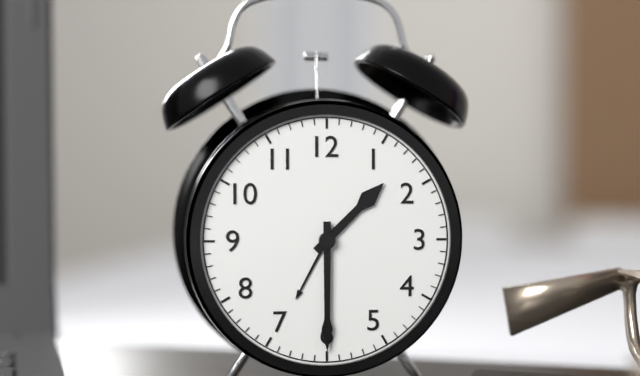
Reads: 1:30
